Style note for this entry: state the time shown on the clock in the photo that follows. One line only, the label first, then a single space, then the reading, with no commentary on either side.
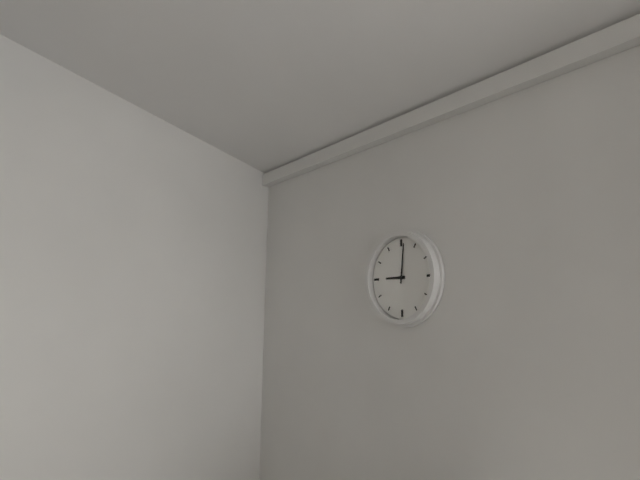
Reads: 9:01
